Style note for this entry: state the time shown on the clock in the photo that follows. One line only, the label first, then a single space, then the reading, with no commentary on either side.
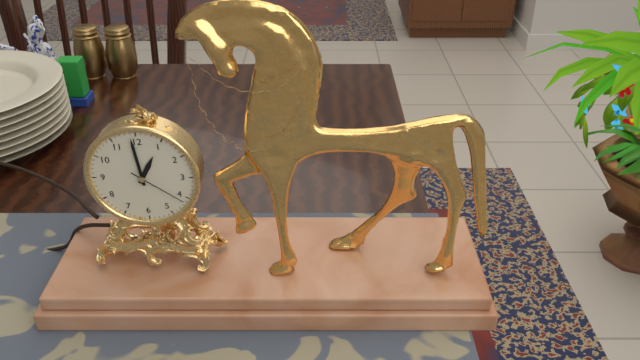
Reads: 12:59:21
